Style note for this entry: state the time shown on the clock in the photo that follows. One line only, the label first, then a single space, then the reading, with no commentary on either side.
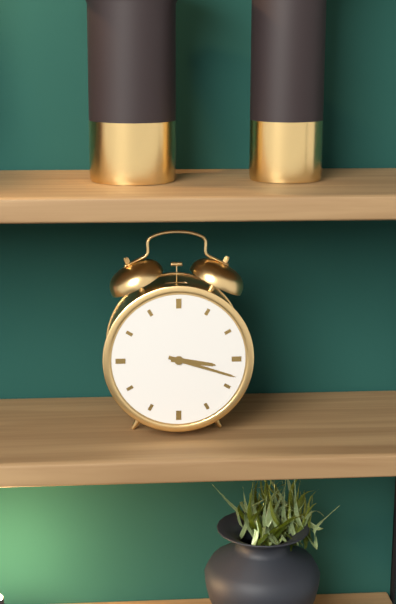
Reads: 3:18
